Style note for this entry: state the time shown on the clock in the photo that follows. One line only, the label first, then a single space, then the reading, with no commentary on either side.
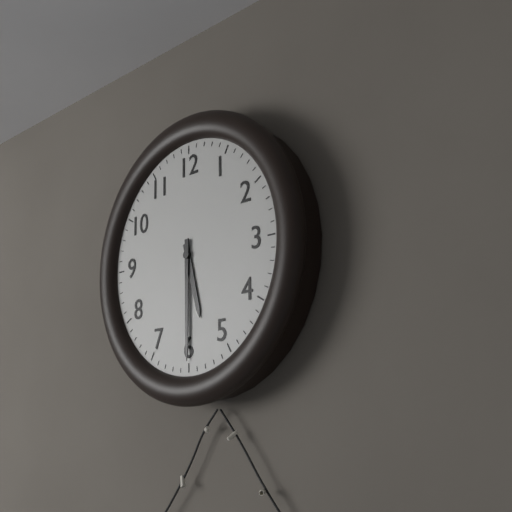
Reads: 5:30
